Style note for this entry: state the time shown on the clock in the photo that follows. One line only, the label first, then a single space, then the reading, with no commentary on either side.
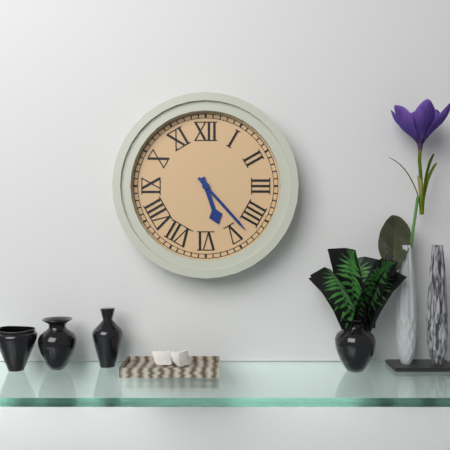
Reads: 5:23
